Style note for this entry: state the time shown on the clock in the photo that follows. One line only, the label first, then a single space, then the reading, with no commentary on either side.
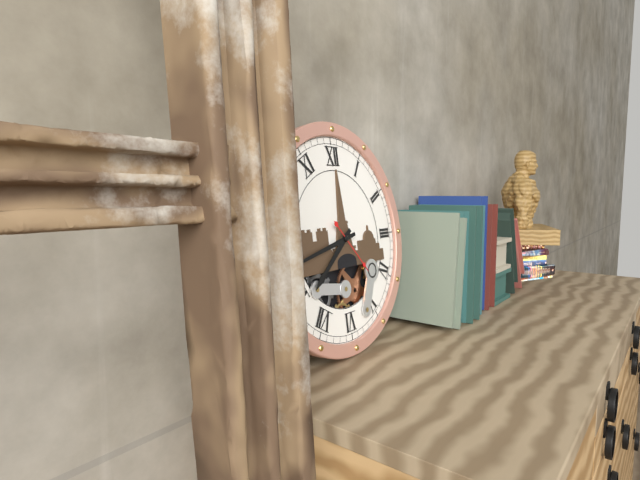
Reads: 7:43:23
